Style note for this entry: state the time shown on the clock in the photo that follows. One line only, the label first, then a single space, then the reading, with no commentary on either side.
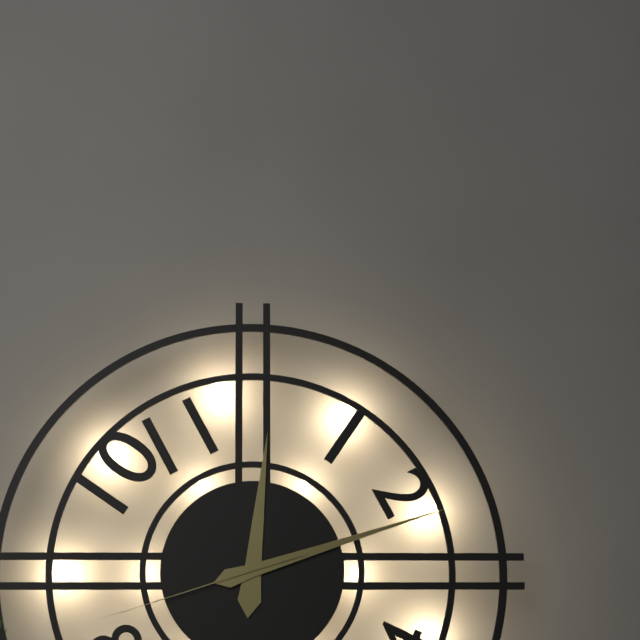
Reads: 12:12:42
